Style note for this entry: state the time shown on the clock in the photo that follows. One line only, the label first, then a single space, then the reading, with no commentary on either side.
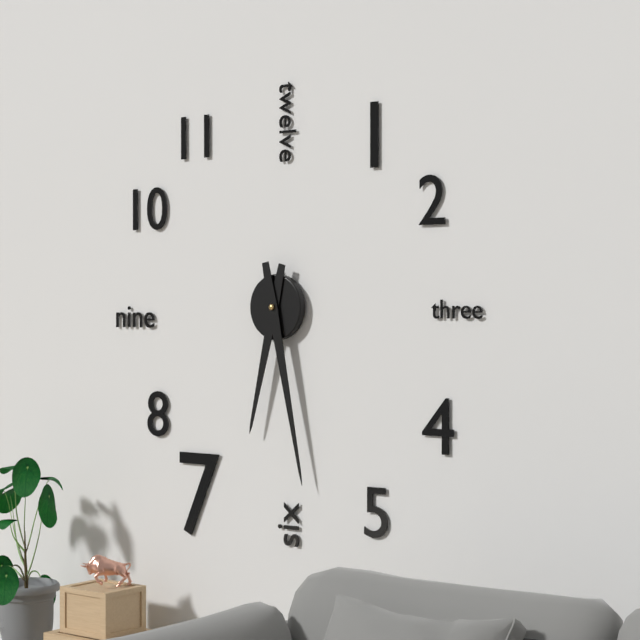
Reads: 6:28
